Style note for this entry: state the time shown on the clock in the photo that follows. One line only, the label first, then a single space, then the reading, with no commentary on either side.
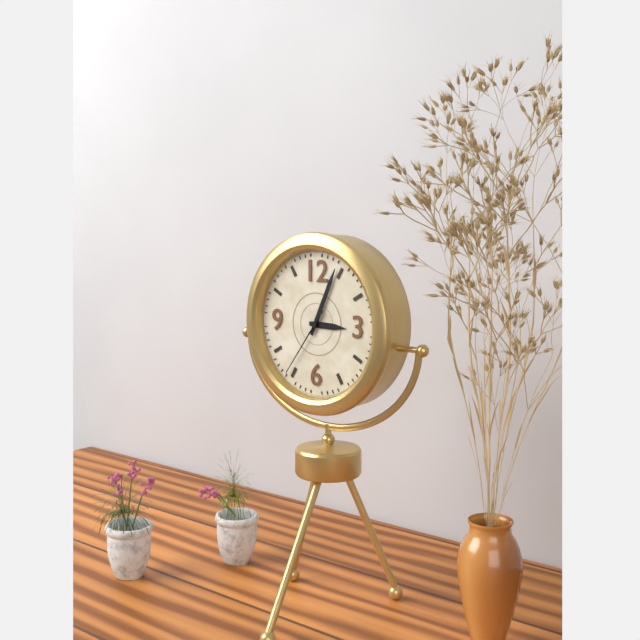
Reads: 3:04:36
